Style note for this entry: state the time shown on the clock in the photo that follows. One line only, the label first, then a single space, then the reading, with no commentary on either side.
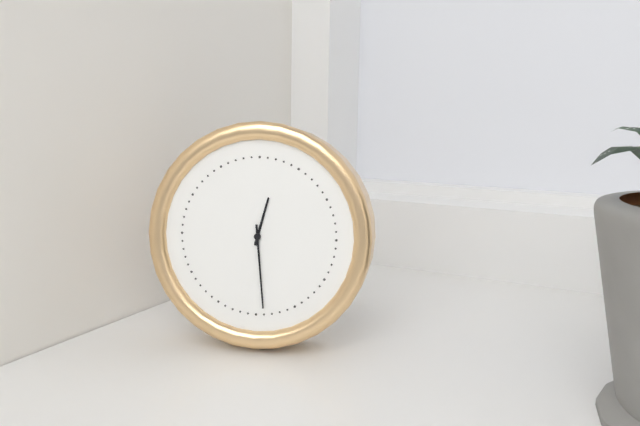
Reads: 12:29
